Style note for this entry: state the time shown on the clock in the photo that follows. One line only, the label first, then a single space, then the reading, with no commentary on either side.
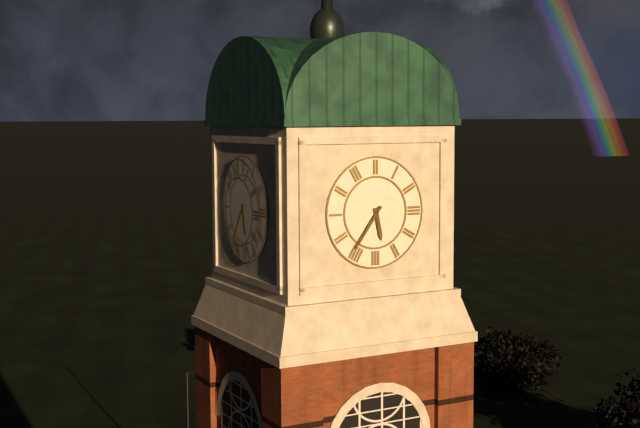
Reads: 5:36
